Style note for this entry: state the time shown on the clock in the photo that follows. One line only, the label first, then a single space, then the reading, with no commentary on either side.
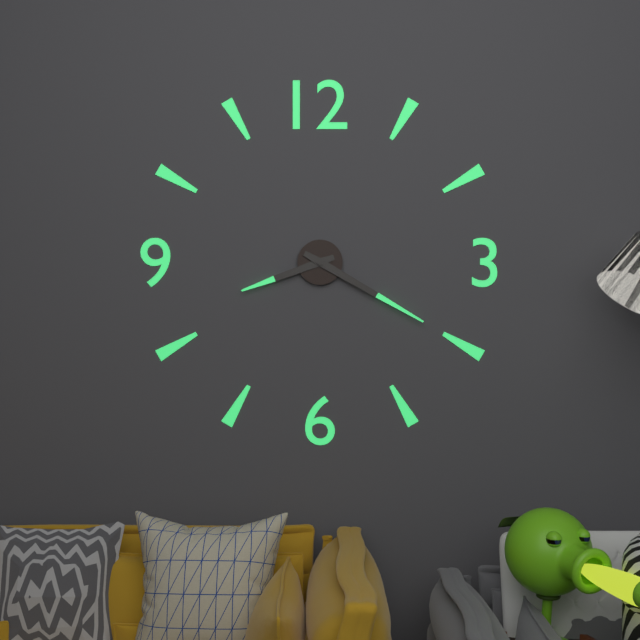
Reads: 8:20
